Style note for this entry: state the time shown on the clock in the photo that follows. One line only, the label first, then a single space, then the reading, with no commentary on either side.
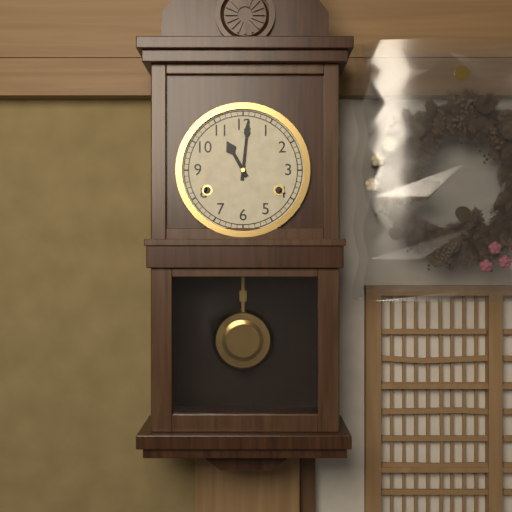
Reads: 11:01
